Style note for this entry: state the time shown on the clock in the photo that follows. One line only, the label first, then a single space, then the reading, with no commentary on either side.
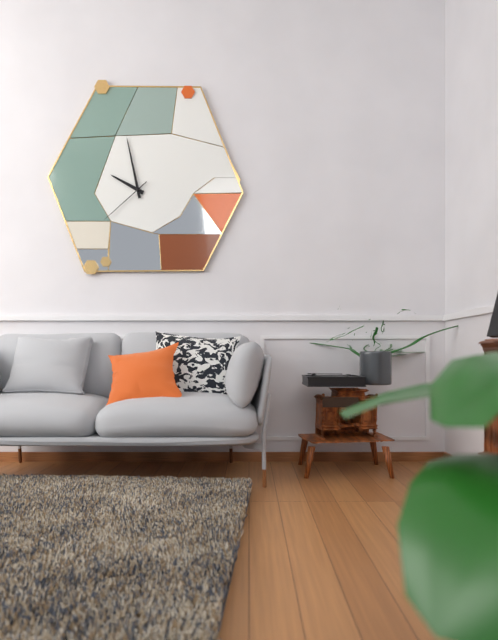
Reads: 9:58:38
